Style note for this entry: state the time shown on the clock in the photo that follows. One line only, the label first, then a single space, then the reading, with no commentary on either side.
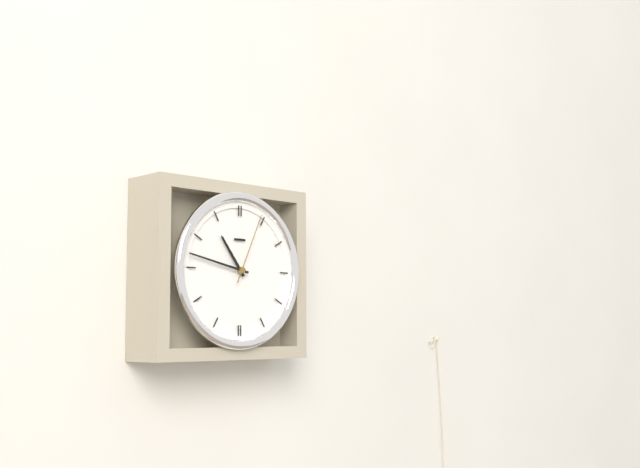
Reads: 10:47:04
